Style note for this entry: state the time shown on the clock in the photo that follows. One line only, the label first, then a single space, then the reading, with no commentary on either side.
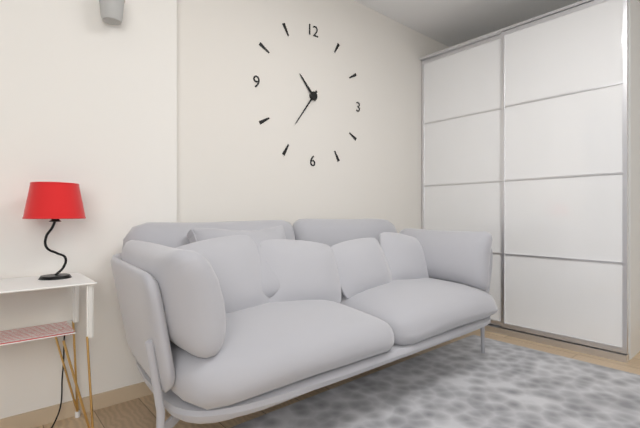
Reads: 10:36
